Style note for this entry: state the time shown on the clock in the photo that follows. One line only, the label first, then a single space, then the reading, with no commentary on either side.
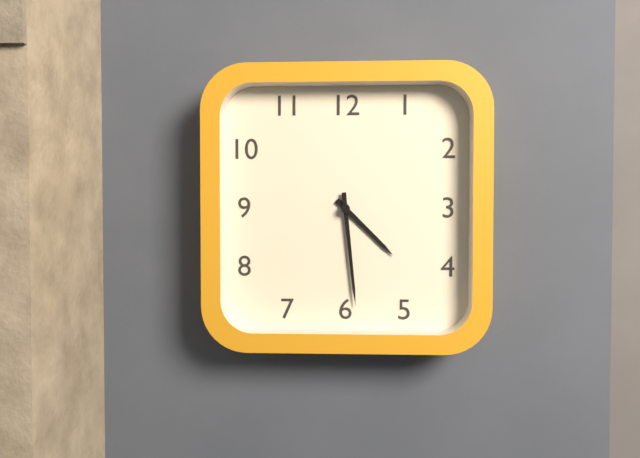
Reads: 4:29
